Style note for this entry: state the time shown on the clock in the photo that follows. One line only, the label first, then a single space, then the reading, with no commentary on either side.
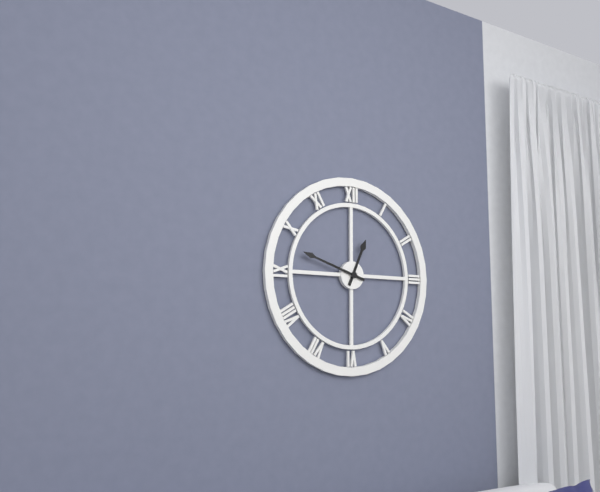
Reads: 12:48
